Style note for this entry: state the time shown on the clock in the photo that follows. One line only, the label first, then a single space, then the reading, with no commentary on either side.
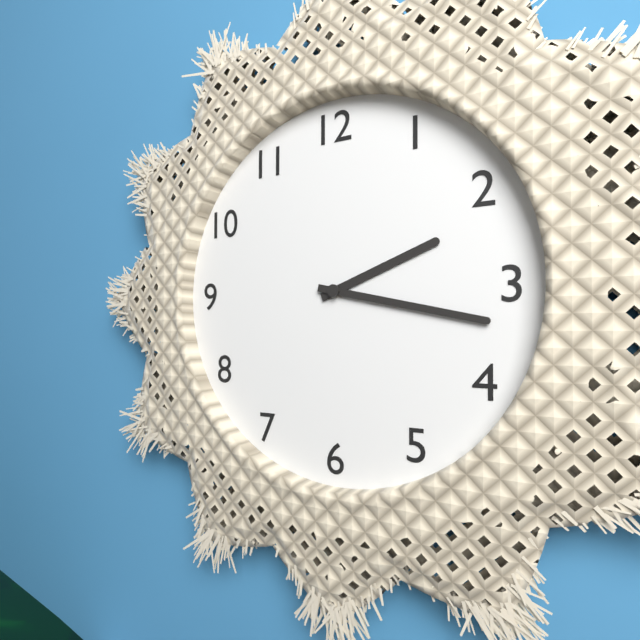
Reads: 2:17
